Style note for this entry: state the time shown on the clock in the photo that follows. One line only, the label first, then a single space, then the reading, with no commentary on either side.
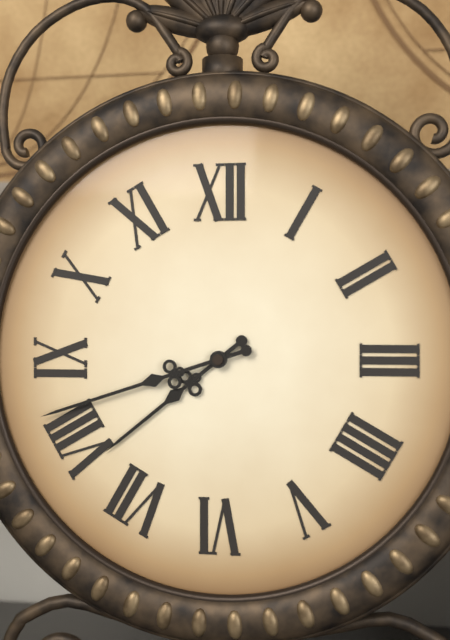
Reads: 7:42
